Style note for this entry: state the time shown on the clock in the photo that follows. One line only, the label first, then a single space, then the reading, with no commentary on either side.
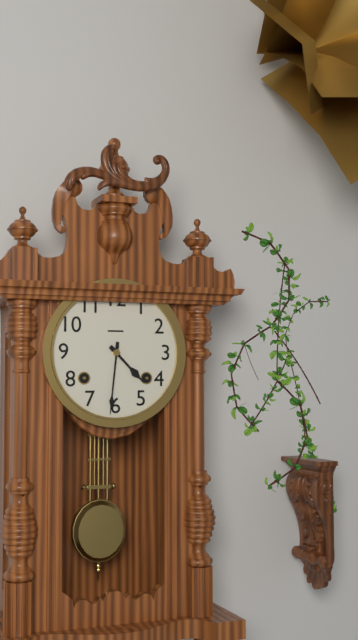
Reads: 4:31
